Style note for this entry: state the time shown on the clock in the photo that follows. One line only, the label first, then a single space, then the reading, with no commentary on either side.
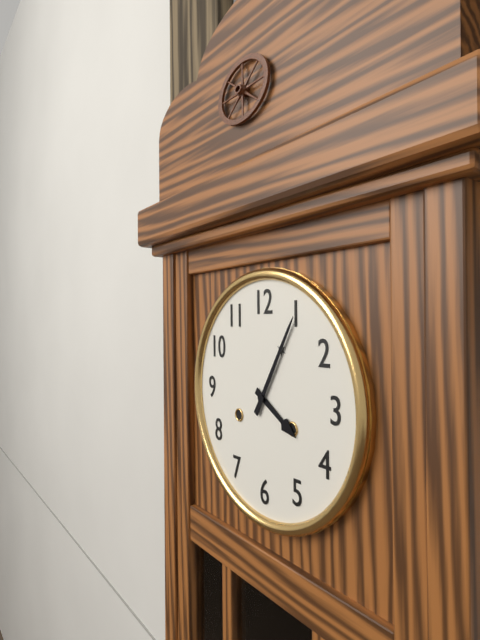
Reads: 4:05
